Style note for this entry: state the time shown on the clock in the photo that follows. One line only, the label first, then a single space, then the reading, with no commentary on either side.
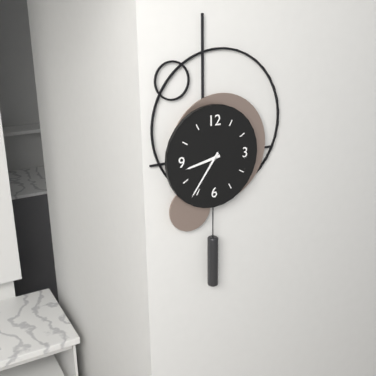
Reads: 8:36
